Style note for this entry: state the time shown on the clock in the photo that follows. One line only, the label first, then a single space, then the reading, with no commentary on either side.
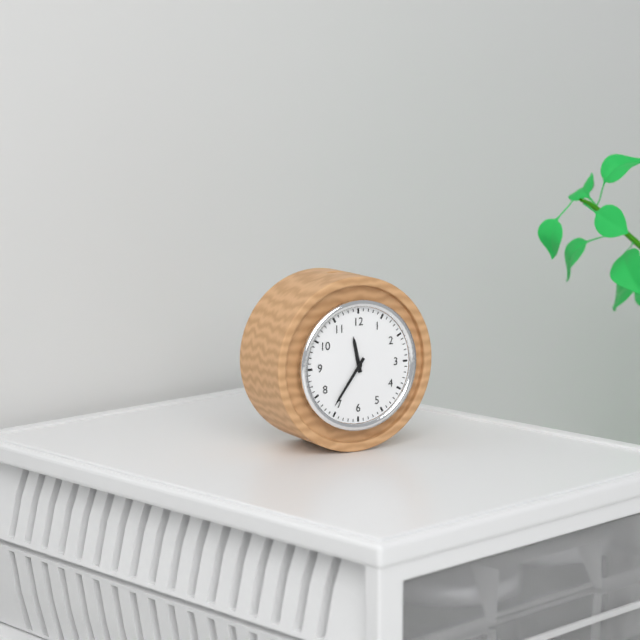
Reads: 11:36
